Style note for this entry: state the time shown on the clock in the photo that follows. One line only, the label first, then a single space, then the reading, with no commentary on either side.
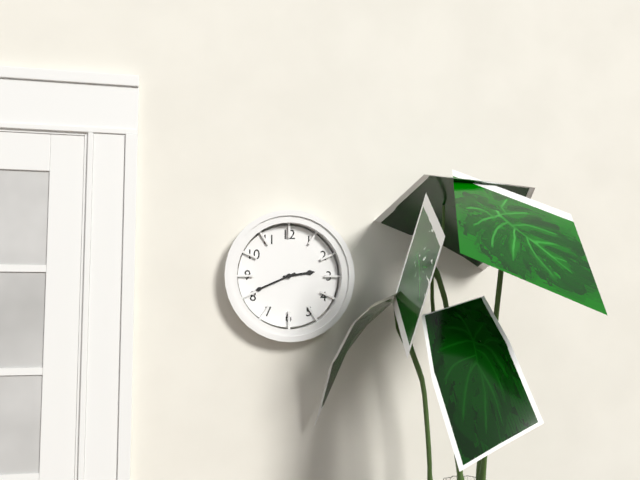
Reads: 2:41
